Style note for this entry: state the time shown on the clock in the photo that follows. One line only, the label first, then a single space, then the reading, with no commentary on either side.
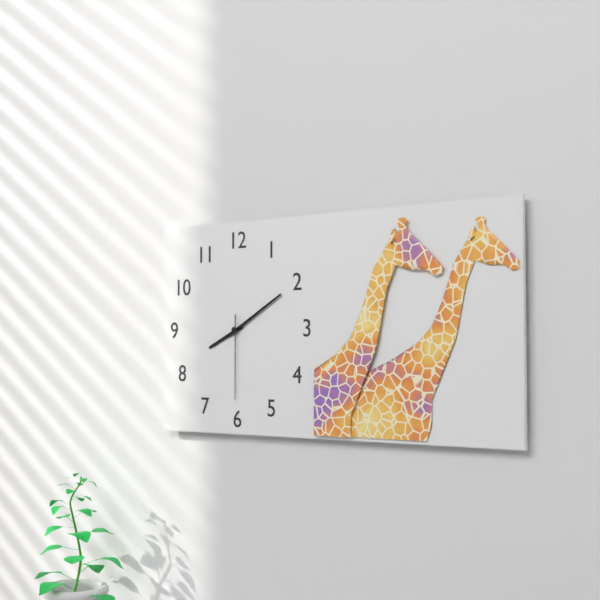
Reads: 8:10:30
